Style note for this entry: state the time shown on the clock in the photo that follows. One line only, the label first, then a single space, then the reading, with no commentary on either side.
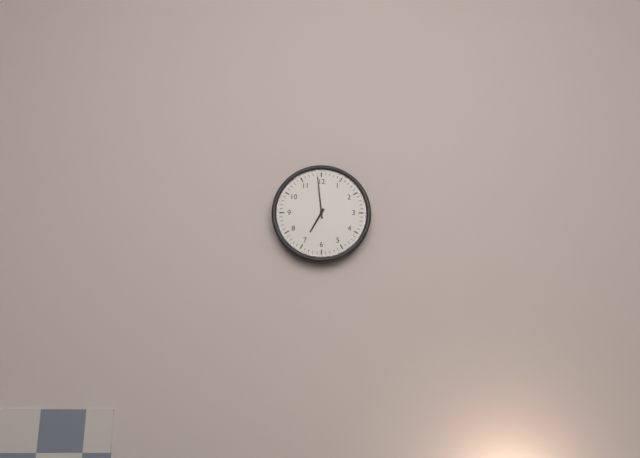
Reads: 6:59
